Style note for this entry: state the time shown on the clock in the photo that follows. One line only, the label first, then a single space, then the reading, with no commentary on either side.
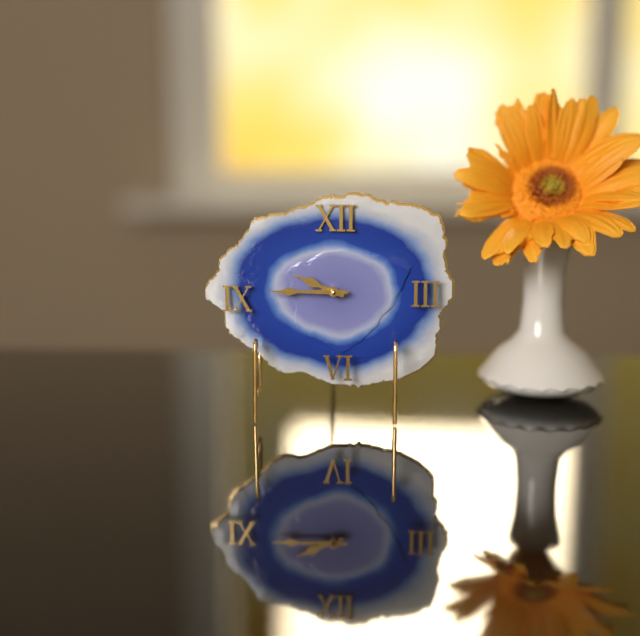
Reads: 9:45
